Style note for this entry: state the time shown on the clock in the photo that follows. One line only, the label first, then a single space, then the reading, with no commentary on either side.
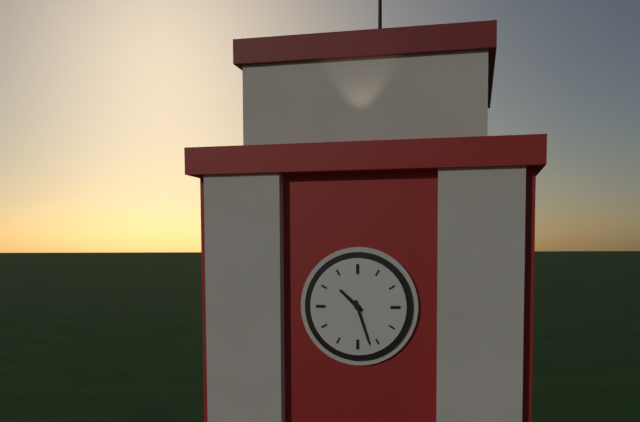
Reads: 10:27
